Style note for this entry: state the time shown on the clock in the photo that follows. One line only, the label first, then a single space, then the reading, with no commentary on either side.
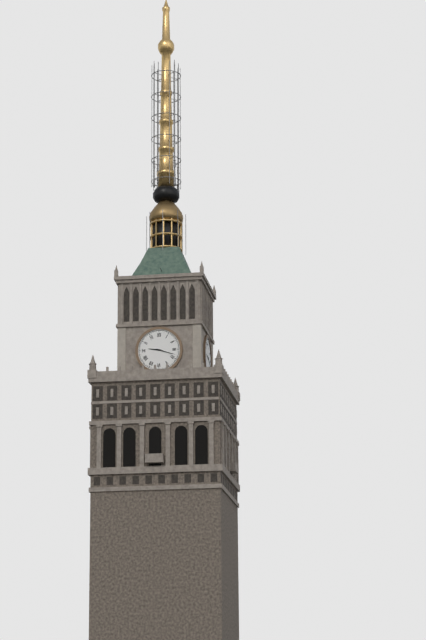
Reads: 9:18
